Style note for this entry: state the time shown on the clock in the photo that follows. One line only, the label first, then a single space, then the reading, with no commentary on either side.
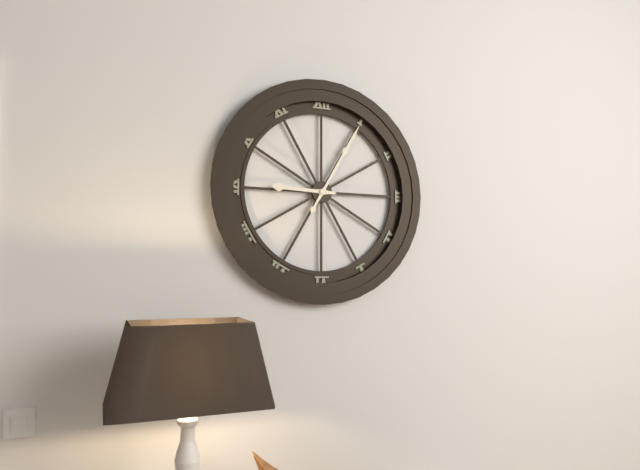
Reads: 9:05
